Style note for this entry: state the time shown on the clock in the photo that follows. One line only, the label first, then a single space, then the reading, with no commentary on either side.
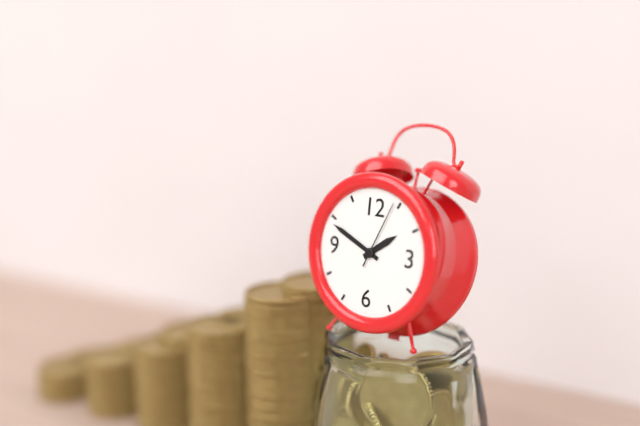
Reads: 1:49:04
